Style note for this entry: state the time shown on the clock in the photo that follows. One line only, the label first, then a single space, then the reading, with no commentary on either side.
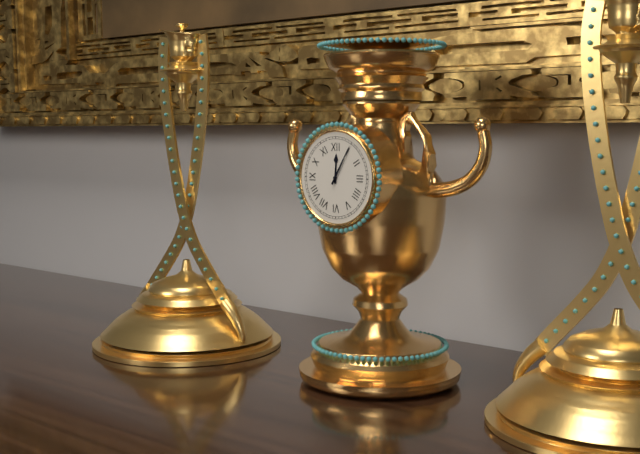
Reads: 12:05
